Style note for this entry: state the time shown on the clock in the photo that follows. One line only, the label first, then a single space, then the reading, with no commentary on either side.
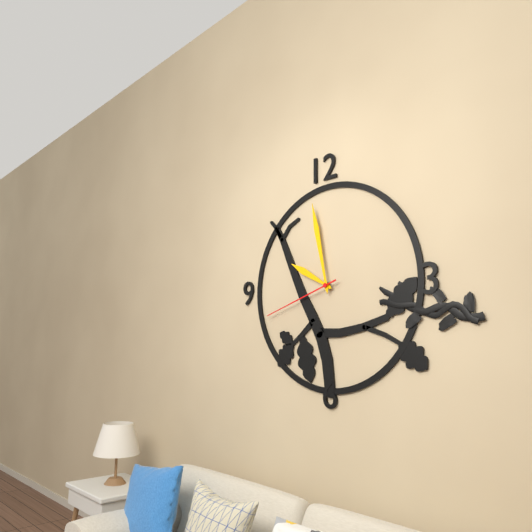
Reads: 9:58:42
